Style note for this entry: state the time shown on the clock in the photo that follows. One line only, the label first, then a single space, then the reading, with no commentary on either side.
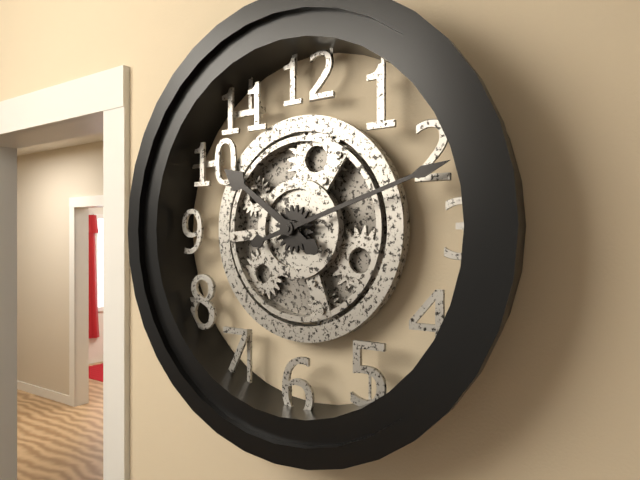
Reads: 10:12
